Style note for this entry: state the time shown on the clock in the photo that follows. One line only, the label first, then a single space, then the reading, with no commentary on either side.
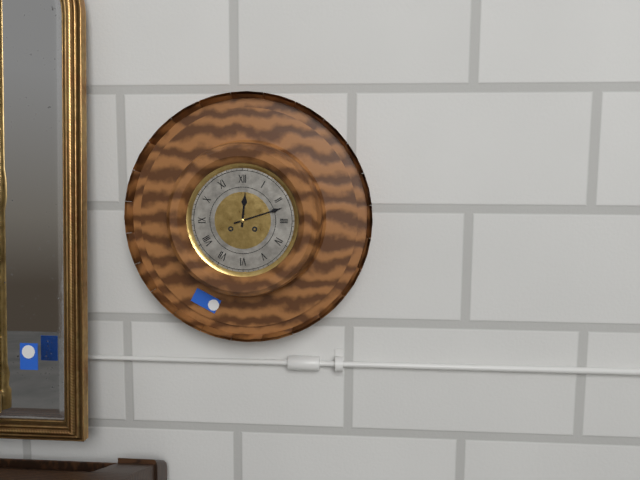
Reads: 12:12
